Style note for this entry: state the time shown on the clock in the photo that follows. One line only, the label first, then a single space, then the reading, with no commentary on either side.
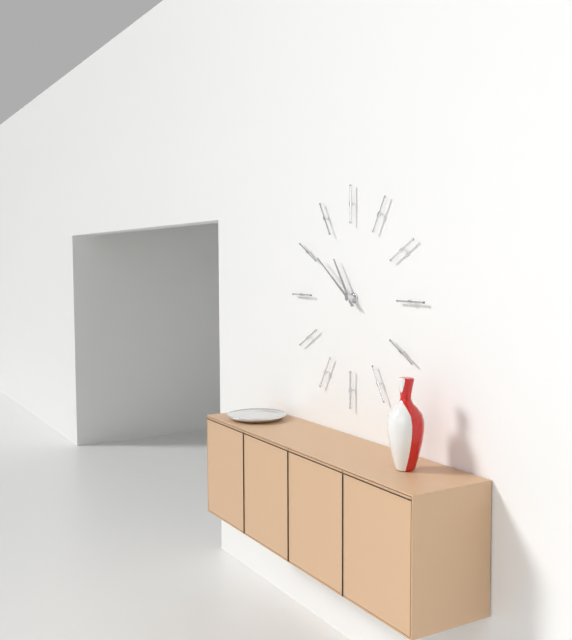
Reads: 10:51
